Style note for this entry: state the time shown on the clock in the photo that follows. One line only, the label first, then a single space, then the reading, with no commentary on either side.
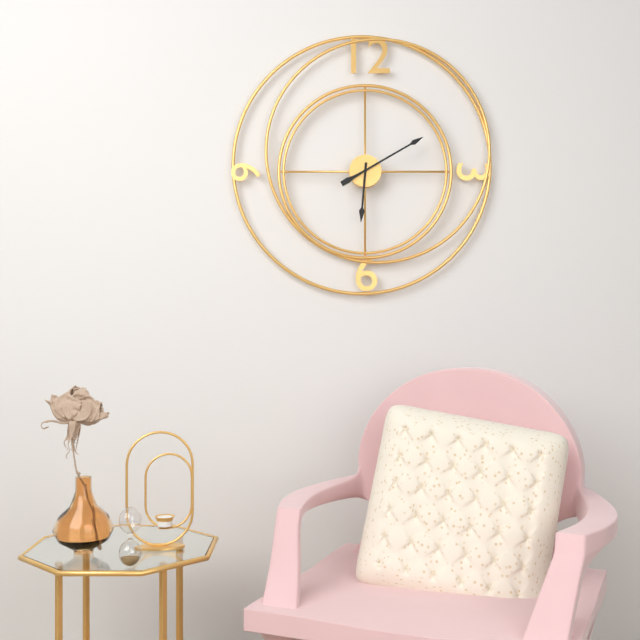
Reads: 6:10
